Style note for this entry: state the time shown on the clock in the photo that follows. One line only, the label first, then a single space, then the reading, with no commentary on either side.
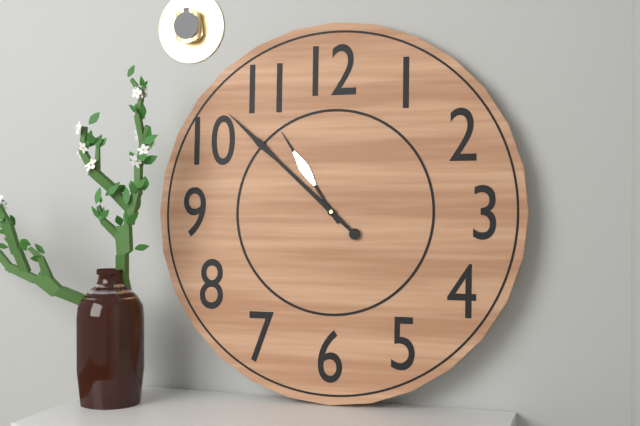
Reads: 10:52
